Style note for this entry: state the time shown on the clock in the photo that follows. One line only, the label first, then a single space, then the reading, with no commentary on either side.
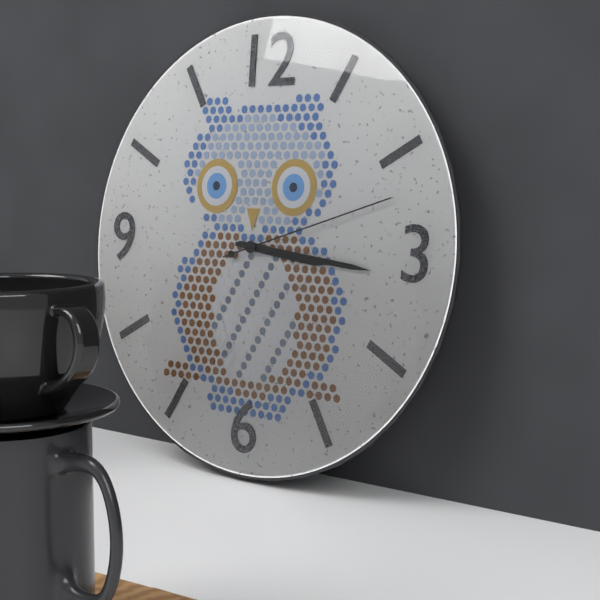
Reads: 3:16:12
